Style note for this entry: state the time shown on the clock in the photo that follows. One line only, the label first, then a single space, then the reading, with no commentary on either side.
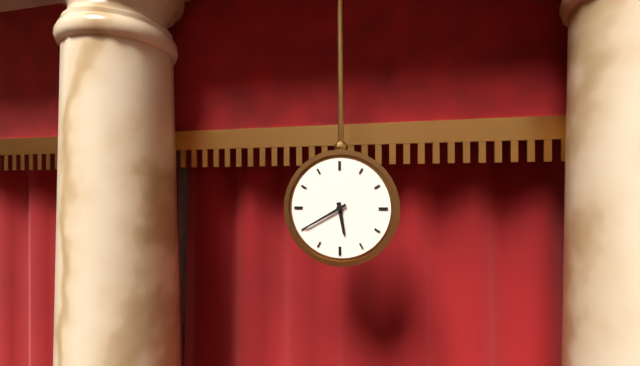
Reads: 5:40
